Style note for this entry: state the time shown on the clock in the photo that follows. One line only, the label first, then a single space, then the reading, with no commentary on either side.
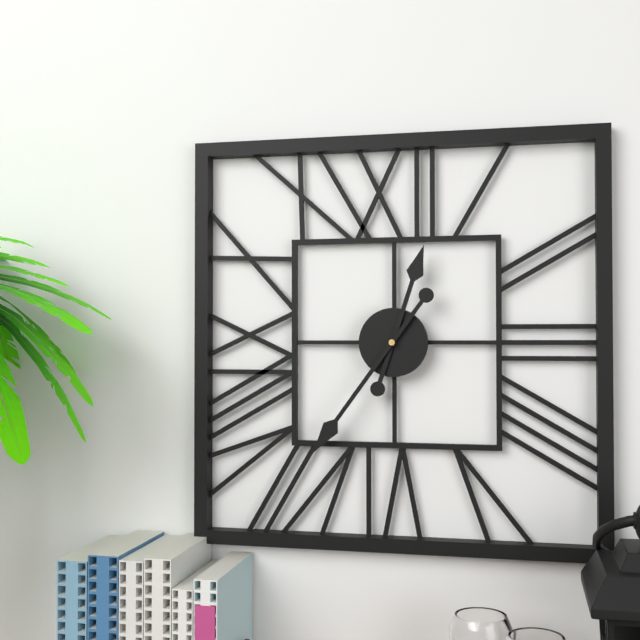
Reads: 12:36
